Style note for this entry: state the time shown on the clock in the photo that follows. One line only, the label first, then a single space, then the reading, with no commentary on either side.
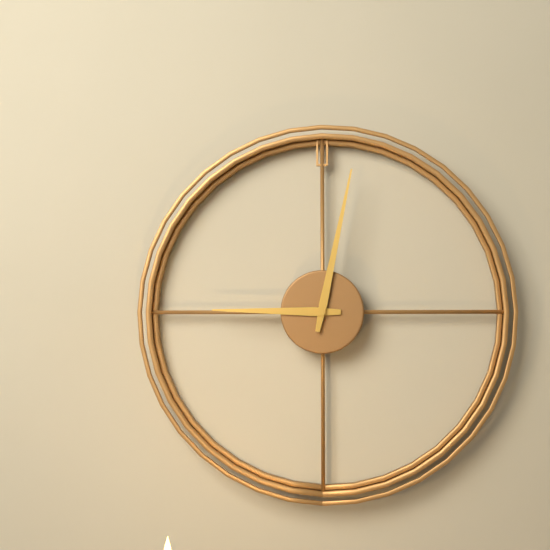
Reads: 9:02
